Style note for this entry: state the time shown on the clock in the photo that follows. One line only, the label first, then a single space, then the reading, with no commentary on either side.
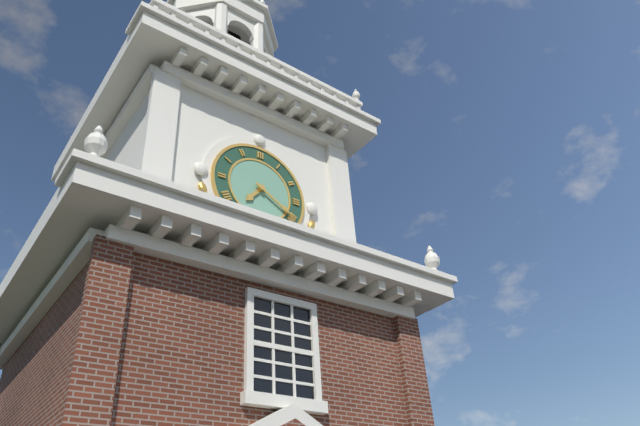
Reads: 7:20
